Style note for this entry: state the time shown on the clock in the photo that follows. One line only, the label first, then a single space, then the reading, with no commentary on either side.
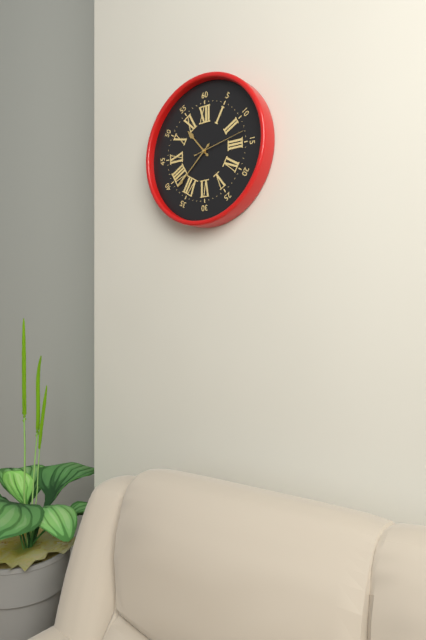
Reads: 10:38:13
